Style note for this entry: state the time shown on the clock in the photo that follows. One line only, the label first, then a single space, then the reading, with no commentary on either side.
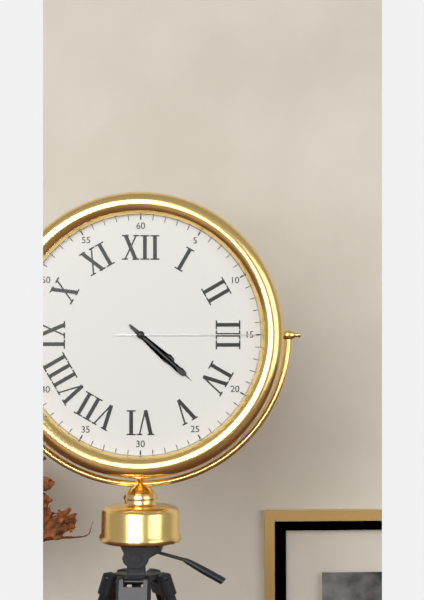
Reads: 4:22:15
